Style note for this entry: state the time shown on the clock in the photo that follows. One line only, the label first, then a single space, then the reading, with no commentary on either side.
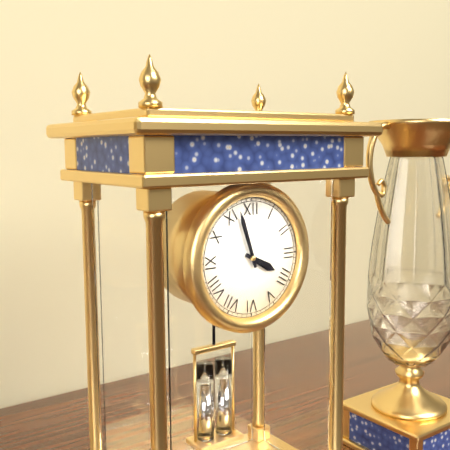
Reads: 3:57
